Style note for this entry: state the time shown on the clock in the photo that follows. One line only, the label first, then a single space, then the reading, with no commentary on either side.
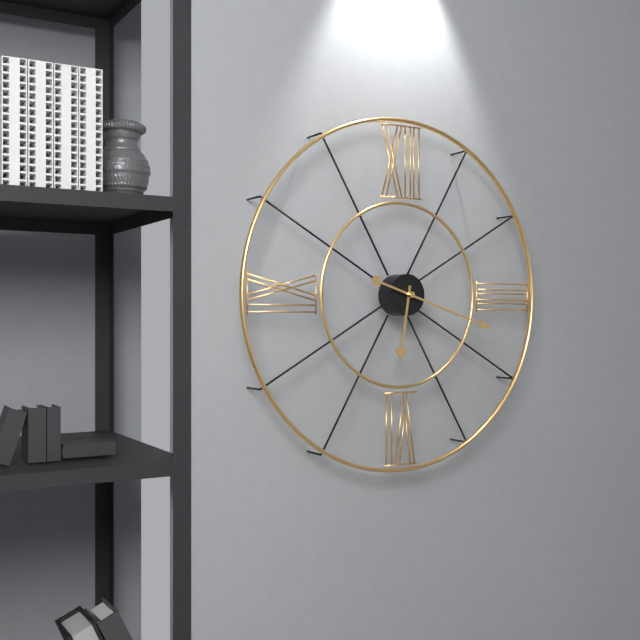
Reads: 6:18
